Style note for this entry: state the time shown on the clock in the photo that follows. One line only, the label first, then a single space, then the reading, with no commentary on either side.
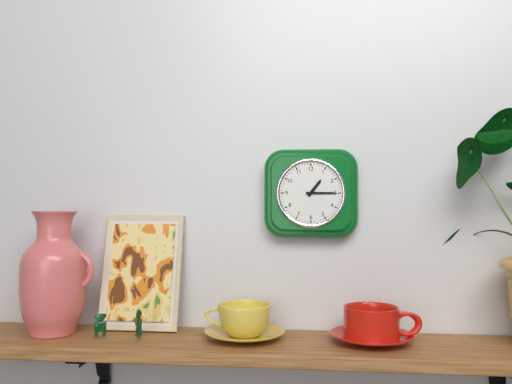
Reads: 1:15
